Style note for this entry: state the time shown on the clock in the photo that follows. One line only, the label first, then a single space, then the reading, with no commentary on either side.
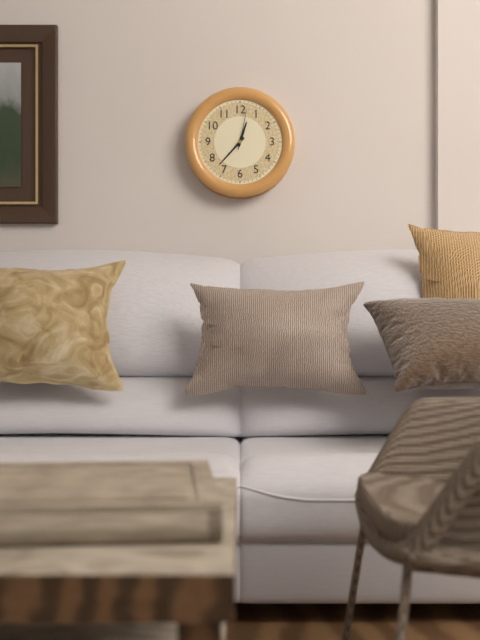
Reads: 12:37
